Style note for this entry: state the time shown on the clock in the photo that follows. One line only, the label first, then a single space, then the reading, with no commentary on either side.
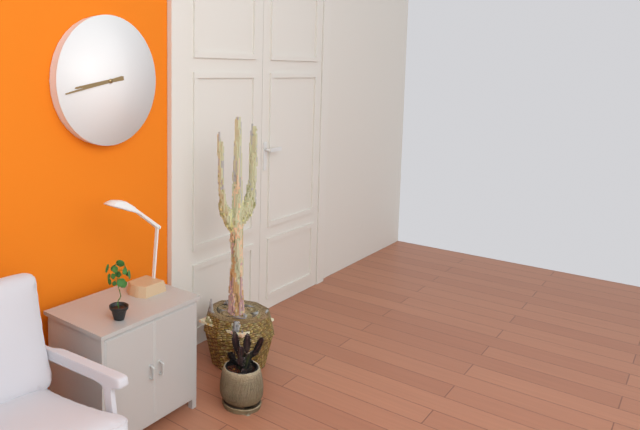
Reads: 8:43
